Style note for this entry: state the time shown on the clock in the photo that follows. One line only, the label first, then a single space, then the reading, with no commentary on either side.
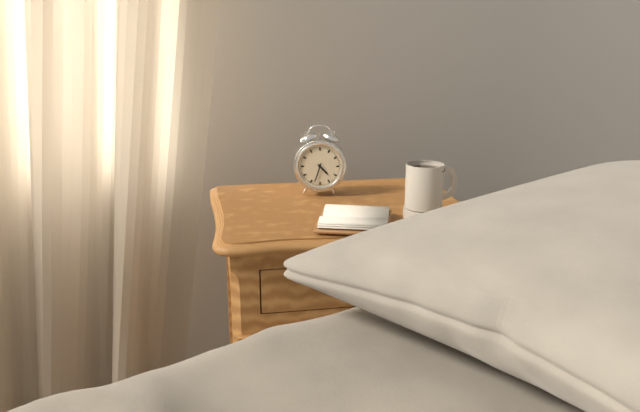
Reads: 4:33
